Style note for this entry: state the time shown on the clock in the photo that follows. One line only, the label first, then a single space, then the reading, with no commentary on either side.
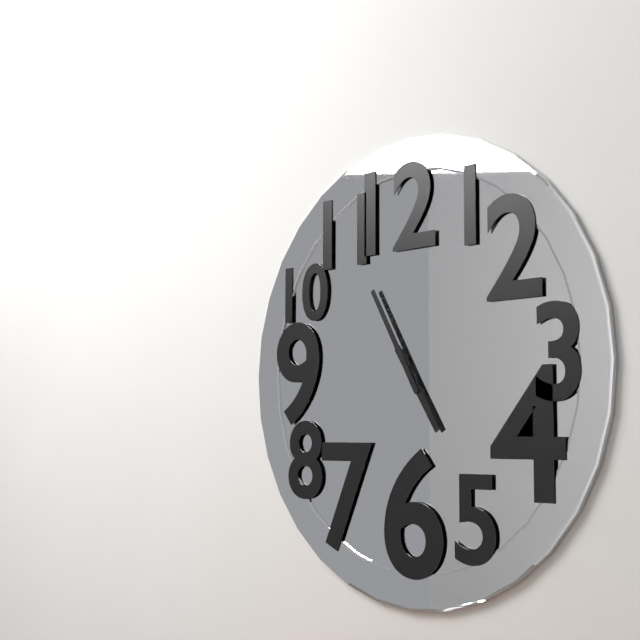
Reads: 4:55
